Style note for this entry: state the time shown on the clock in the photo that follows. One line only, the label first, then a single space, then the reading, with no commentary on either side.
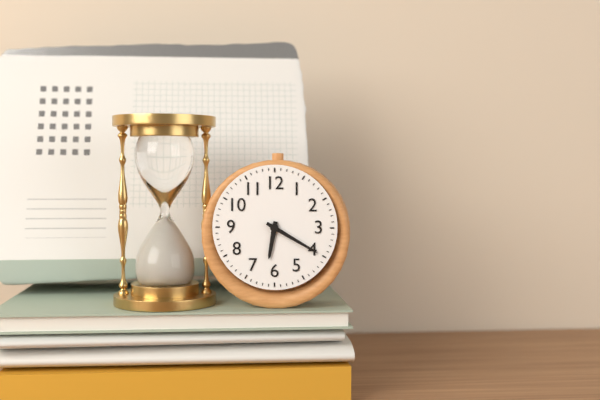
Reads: 6:20
